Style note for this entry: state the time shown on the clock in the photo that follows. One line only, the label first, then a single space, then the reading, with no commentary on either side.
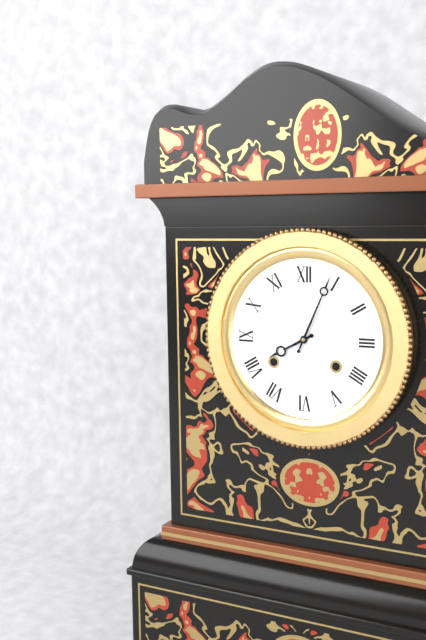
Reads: 8:04
